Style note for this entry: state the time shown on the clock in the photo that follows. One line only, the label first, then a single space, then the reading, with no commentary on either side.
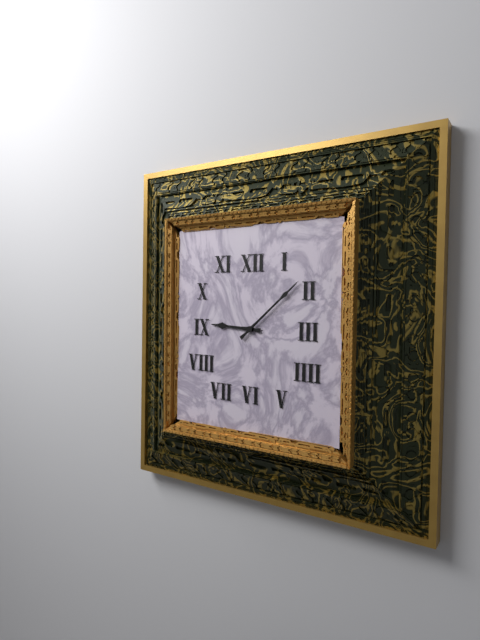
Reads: 9:08
